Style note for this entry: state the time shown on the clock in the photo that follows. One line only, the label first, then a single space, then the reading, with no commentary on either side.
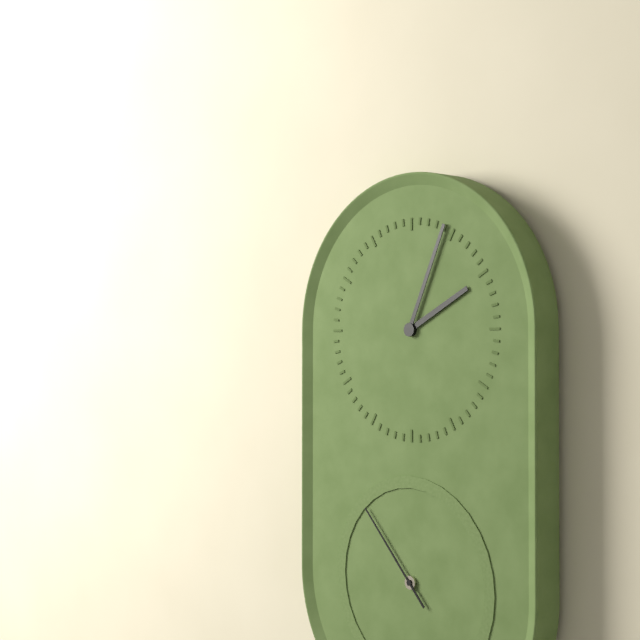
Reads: 2:04:53
